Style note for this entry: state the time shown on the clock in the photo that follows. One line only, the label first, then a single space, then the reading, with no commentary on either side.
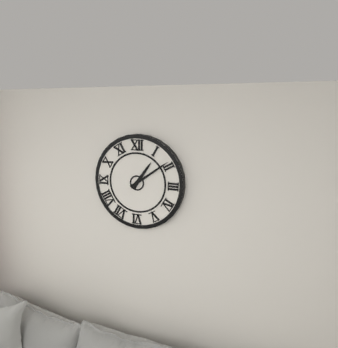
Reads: 1:09
